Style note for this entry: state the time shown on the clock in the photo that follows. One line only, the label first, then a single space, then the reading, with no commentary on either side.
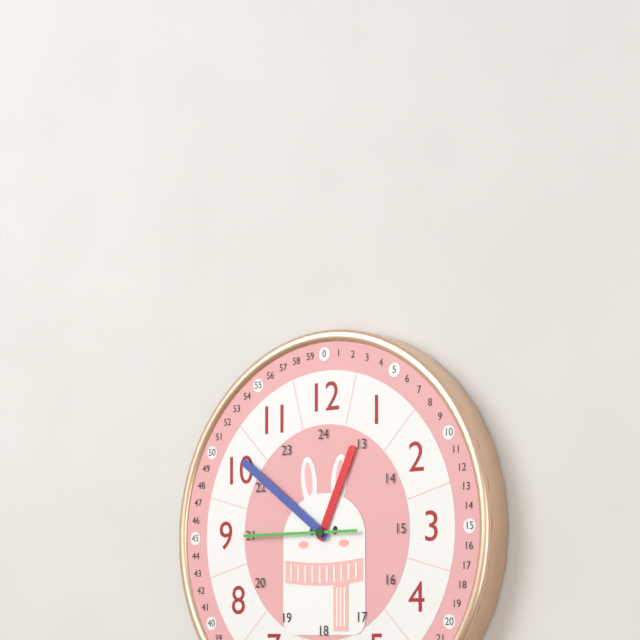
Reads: 12:51:45
